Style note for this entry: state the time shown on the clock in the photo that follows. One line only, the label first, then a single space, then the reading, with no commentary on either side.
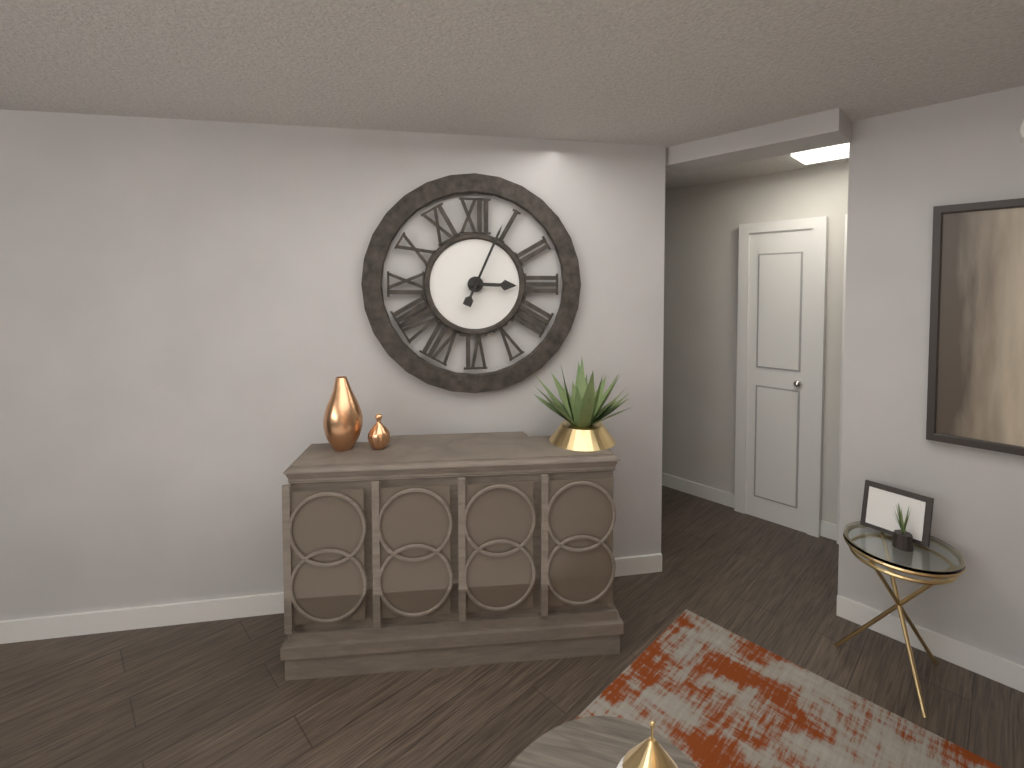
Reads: 3:04
